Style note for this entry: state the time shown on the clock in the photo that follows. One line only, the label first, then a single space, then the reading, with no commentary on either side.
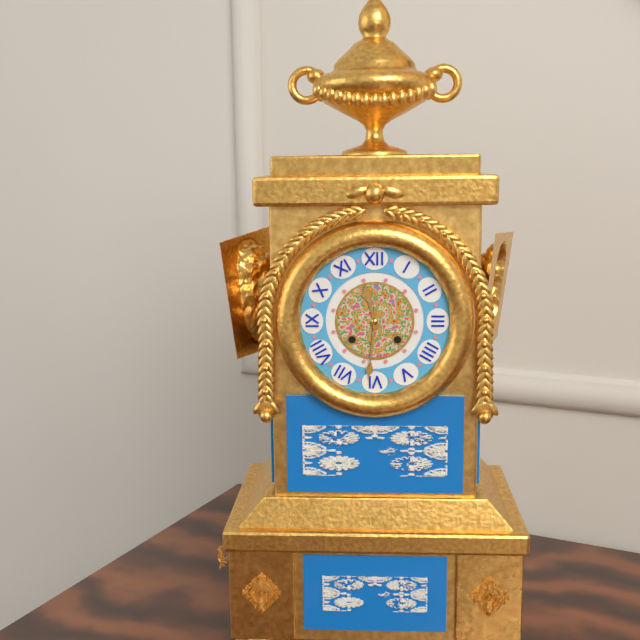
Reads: 11:31
